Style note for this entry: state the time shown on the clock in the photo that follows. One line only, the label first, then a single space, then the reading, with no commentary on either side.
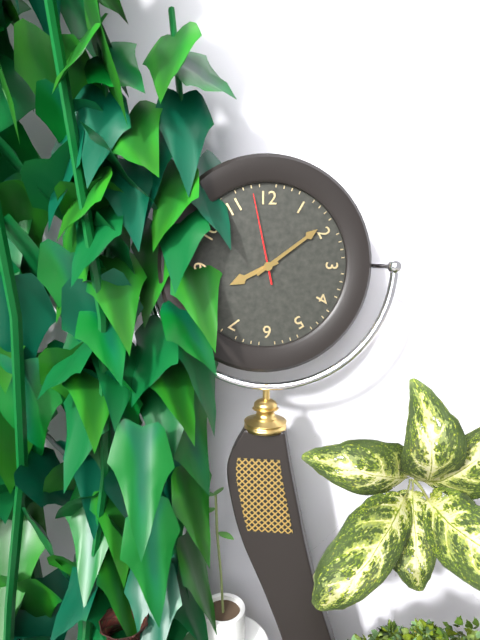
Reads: 8:09:58
